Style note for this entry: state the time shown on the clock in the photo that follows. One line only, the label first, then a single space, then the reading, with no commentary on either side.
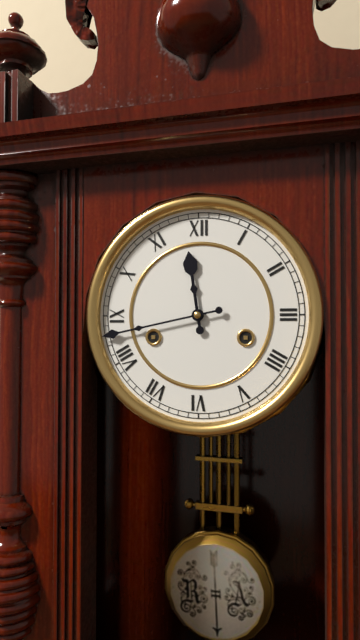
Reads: 11:43
